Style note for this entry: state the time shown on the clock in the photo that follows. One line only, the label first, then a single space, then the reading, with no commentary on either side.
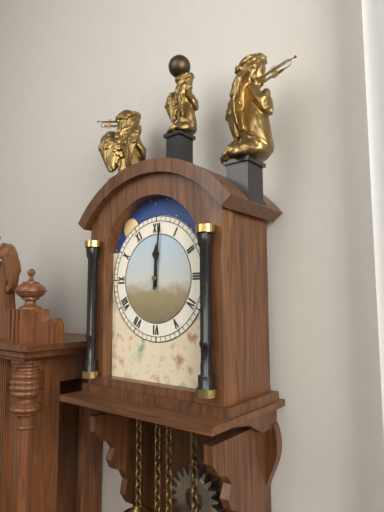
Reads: 12:01
